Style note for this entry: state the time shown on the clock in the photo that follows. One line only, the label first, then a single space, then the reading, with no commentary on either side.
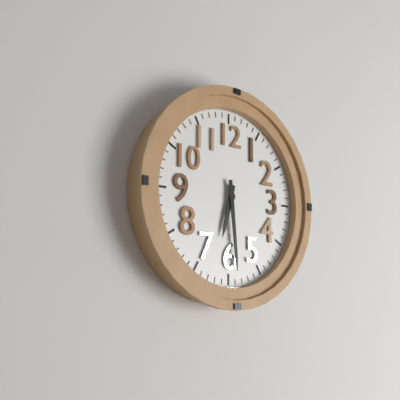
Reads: 6:29
